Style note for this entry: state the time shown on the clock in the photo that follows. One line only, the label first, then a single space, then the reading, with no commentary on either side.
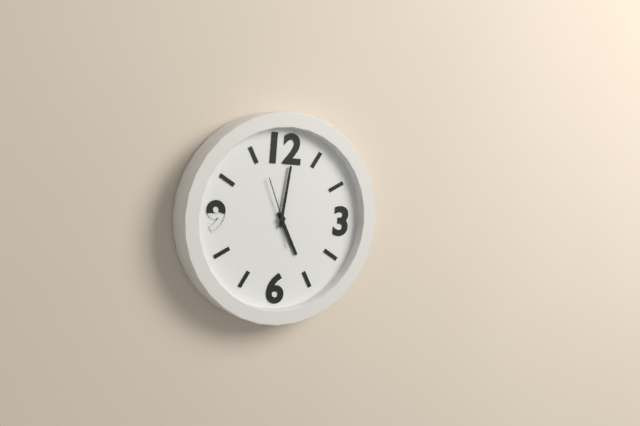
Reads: 5:01:56
